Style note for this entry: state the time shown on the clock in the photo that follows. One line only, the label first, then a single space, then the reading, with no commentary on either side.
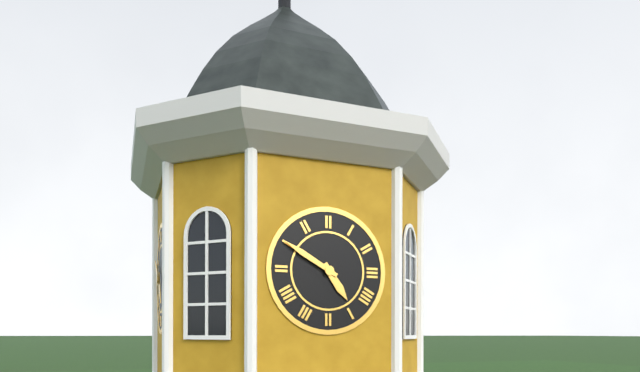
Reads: 4:50
